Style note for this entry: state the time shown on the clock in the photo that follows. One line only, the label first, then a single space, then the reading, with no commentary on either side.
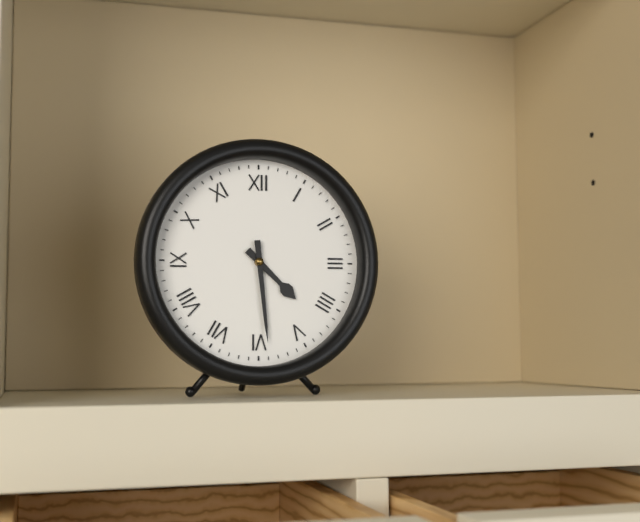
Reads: 4:29
